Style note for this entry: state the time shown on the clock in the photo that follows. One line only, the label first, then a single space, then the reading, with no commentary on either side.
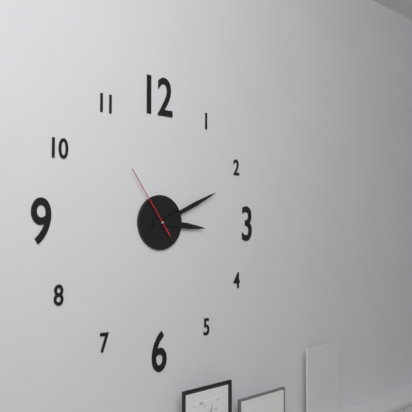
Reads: 3:11:54
